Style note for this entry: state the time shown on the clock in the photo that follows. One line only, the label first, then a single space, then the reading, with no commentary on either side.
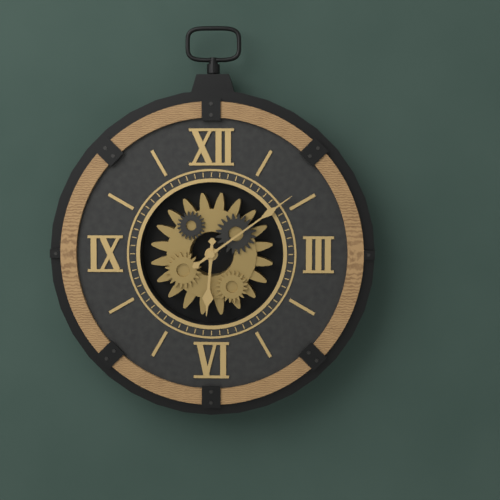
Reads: 6:09
